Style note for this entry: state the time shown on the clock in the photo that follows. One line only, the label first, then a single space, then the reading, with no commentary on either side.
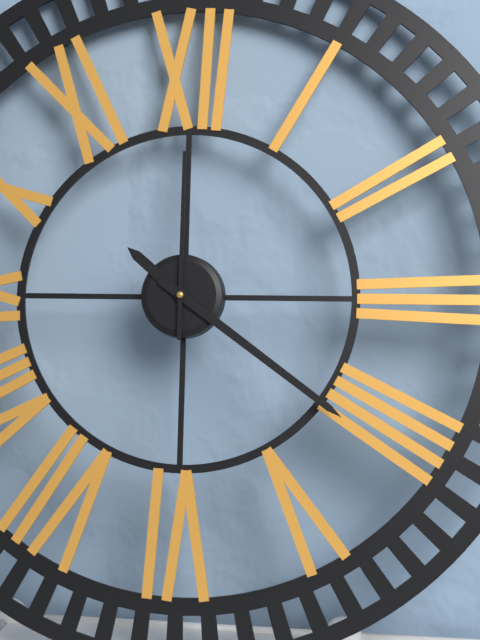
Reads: 10:21:00
